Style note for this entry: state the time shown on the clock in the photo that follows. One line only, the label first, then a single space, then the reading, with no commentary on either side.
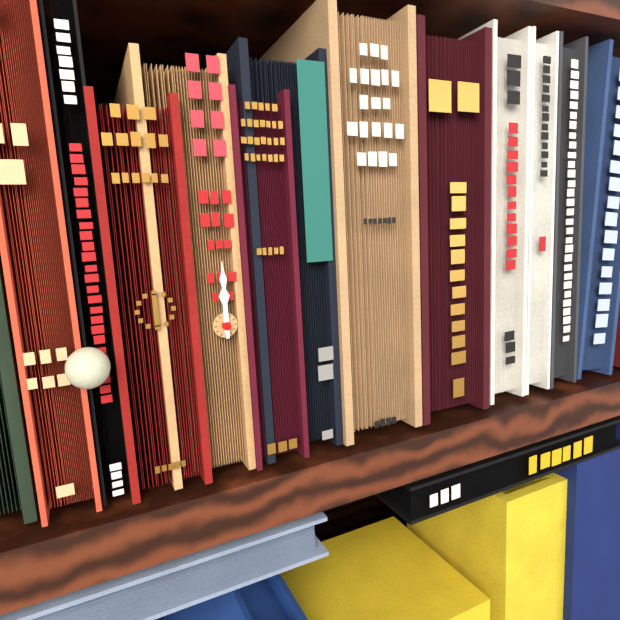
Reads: 12:00
